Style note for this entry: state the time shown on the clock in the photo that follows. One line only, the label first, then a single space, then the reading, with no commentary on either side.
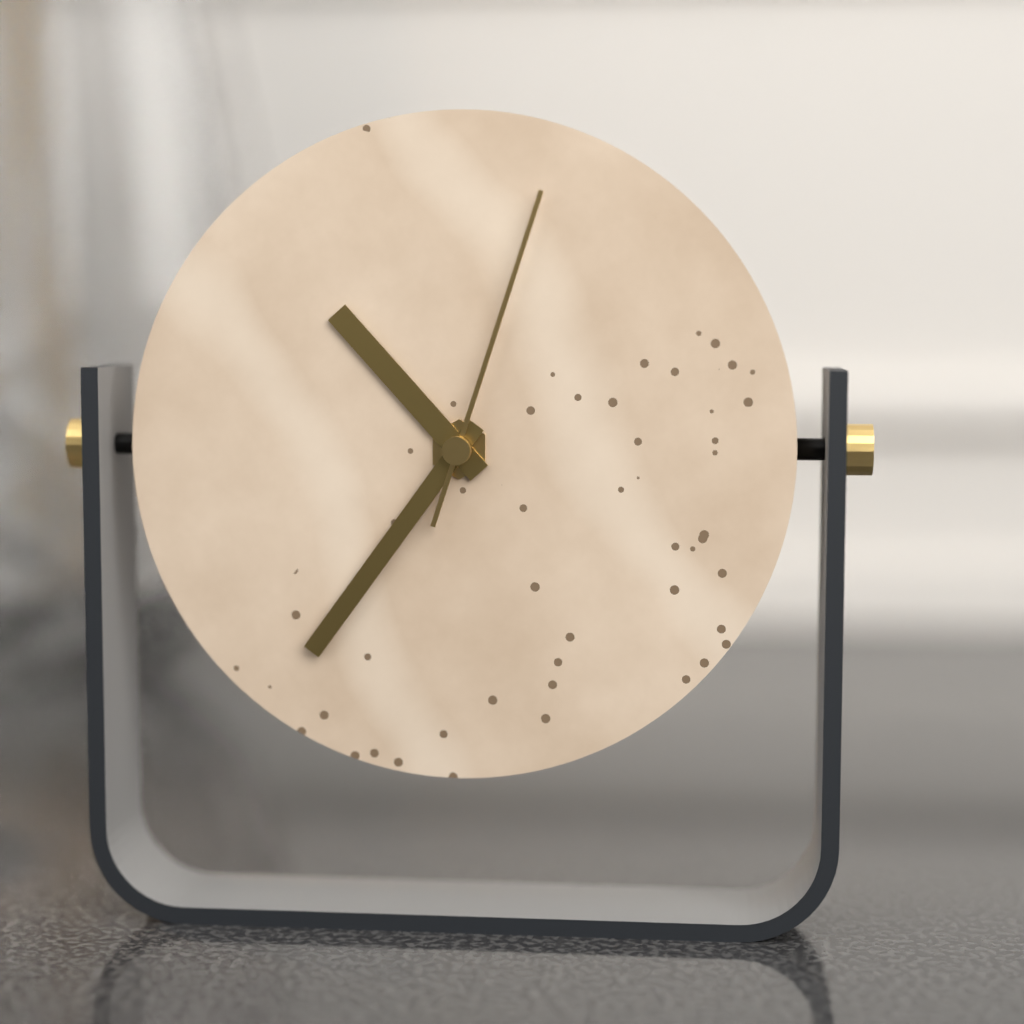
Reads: 10:36:03
